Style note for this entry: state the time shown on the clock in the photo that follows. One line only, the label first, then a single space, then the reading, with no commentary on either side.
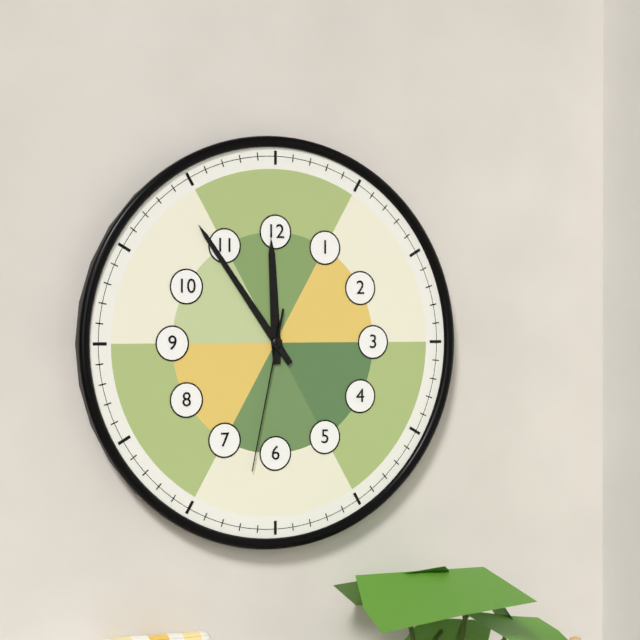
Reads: 11:54:32
